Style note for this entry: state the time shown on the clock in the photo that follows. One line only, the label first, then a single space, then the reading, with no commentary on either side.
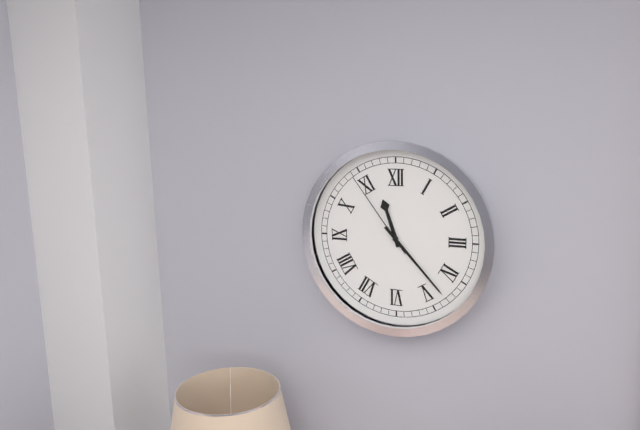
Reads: 11:23:54
